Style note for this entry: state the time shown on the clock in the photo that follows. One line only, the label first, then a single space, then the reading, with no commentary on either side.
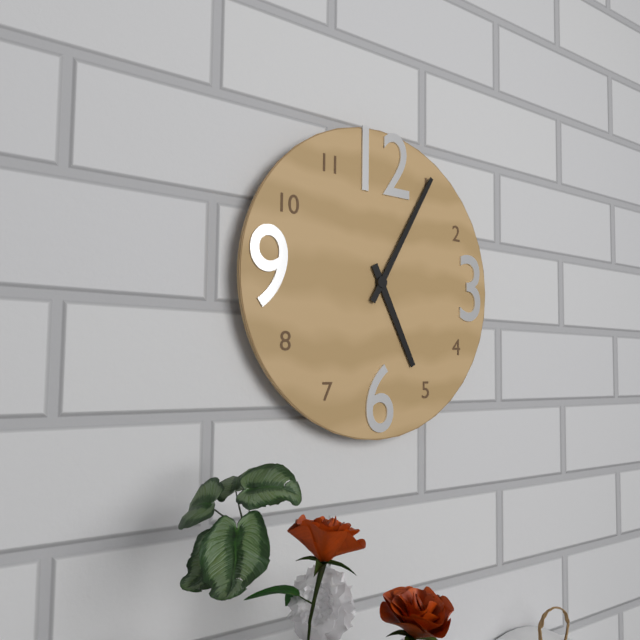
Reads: 5:05
